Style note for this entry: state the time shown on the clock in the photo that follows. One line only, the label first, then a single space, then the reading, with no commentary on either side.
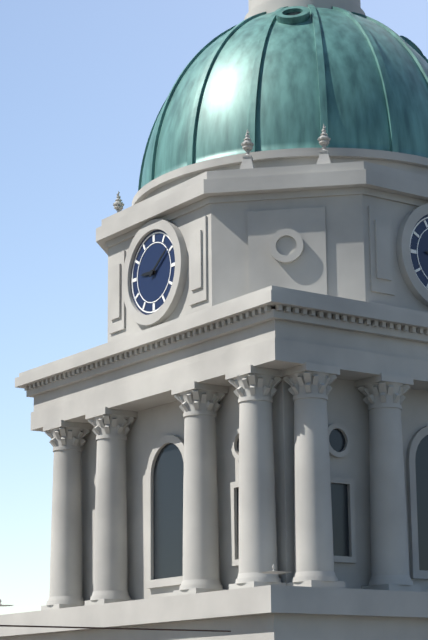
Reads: 9:09
